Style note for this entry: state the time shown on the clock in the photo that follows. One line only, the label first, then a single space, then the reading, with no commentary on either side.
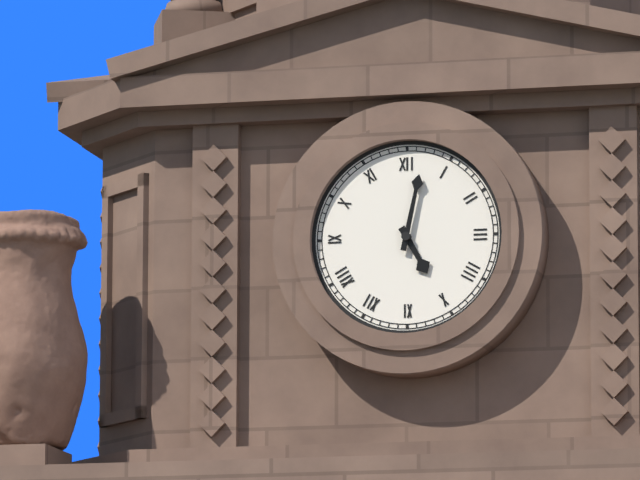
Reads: 5:02
